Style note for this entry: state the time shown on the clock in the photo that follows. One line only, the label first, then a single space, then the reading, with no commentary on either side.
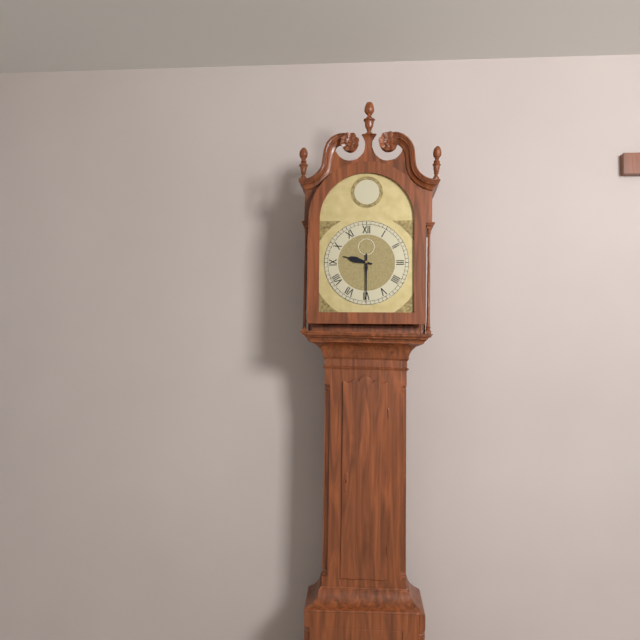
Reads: 9:30
